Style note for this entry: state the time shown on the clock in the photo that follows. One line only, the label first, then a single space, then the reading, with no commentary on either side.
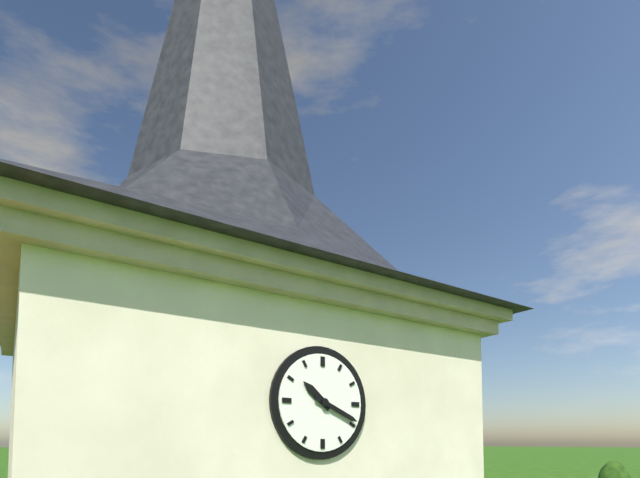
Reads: 10:19
